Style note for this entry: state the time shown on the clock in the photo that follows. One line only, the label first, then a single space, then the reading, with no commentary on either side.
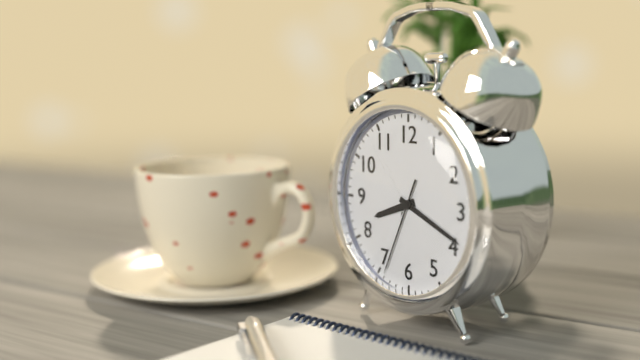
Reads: 8:19:34
